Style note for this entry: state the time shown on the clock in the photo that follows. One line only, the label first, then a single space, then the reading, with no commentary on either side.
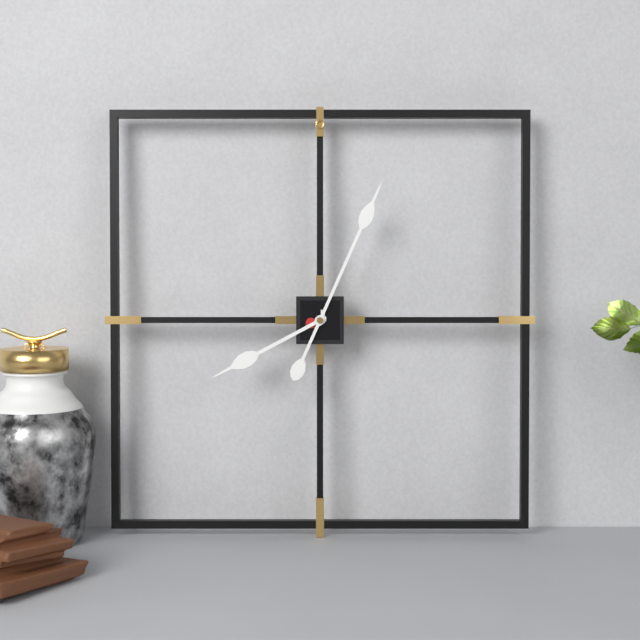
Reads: 8:04
